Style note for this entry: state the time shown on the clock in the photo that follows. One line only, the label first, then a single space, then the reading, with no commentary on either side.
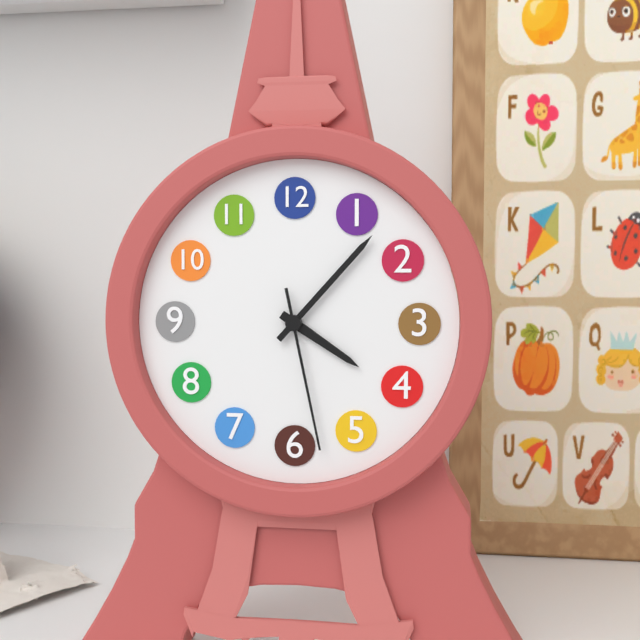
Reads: 4:07:28
